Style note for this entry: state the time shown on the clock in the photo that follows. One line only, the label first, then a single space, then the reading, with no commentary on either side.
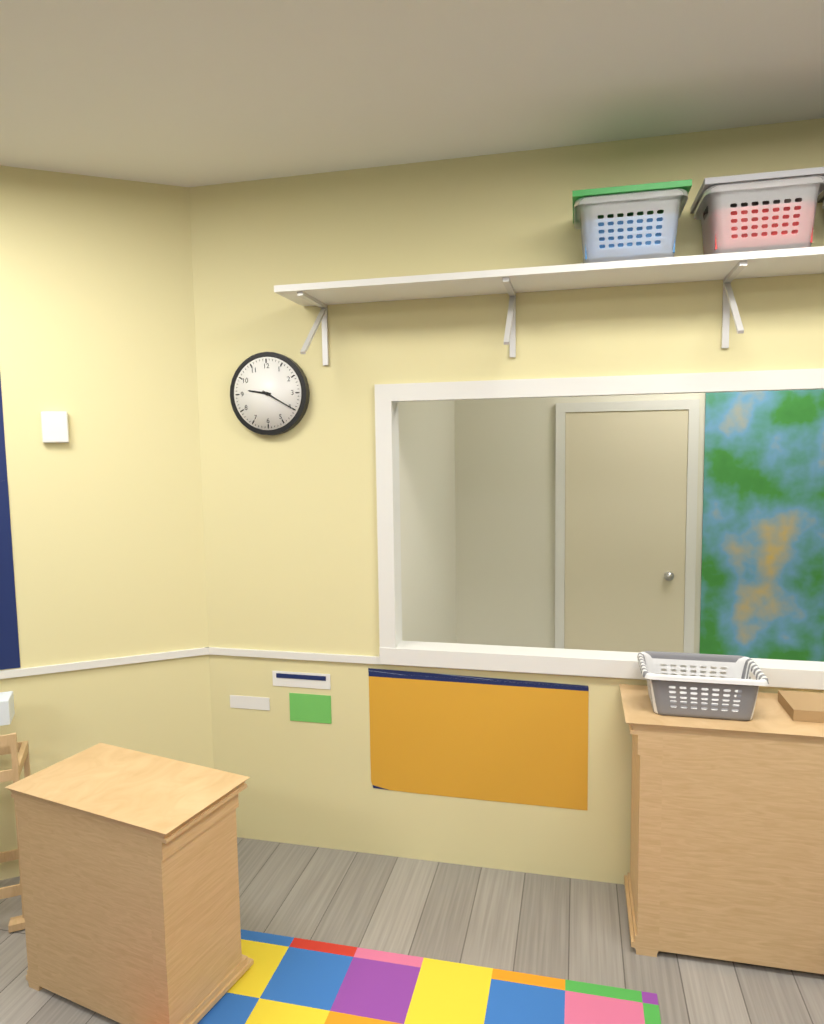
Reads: 9:20
